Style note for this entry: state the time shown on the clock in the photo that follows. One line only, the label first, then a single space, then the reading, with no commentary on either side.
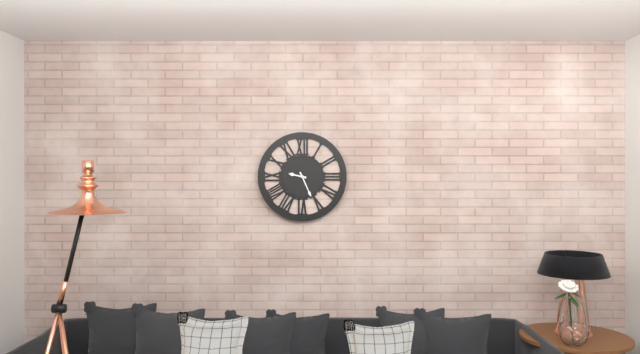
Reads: 9:26
